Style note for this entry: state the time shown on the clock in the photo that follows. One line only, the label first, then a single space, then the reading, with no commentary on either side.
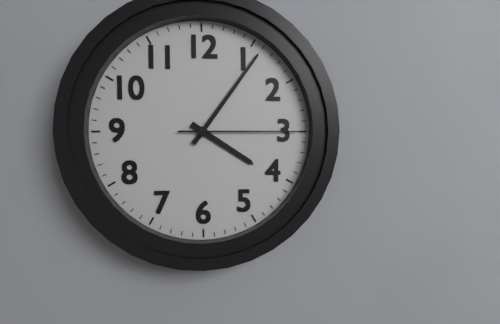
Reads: 4:06:15
